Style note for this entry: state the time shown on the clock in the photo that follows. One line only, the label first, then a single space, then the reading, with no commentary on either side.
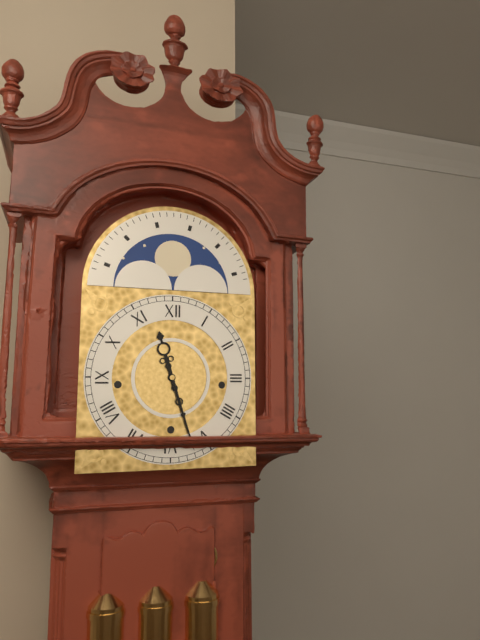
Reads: 11:27
